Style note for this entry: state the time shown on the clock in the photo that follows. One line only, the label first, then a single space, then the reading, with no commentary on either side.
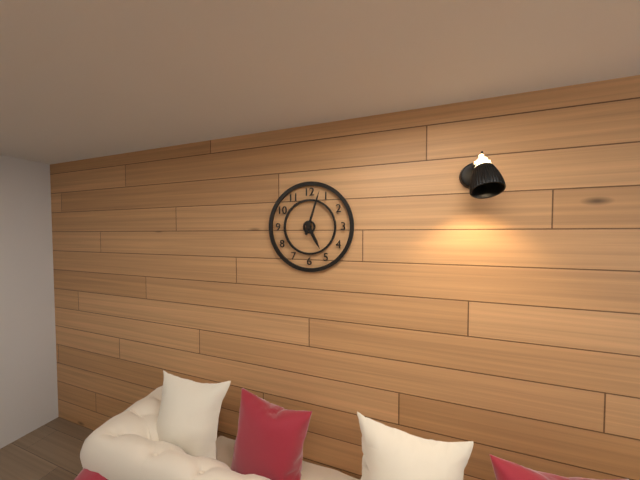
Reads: 5:03
